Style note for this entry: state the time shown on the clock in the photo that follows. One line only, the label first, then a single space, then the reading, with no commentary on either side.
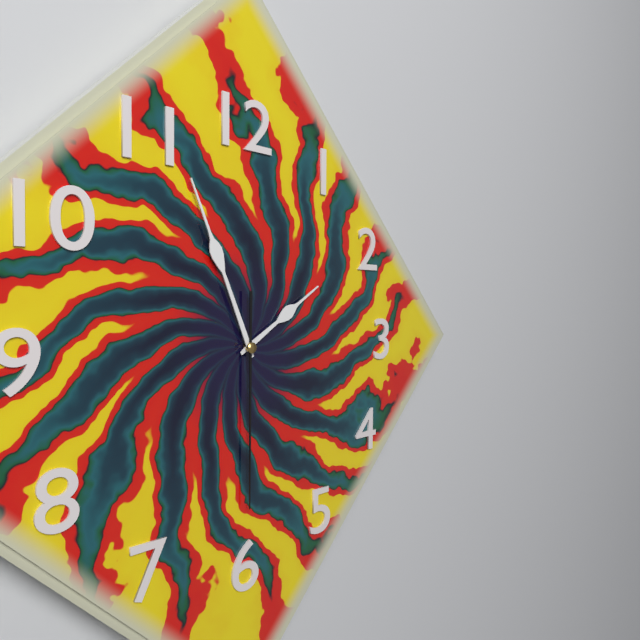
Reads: 1:56:30
